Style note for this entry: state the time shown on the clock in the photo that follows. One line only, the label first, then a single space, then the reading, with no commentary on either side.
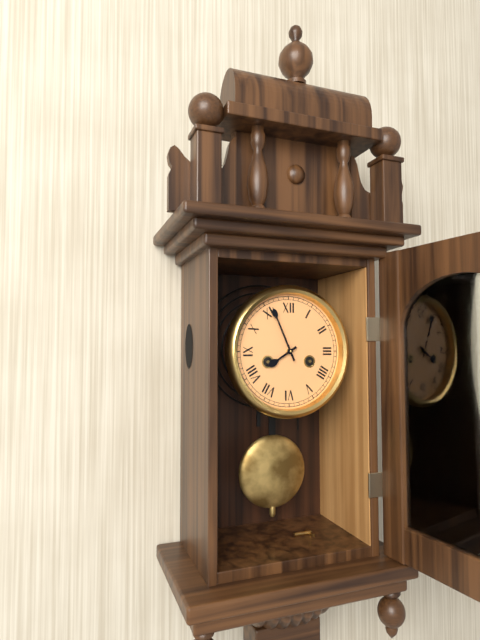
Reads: 7:56
